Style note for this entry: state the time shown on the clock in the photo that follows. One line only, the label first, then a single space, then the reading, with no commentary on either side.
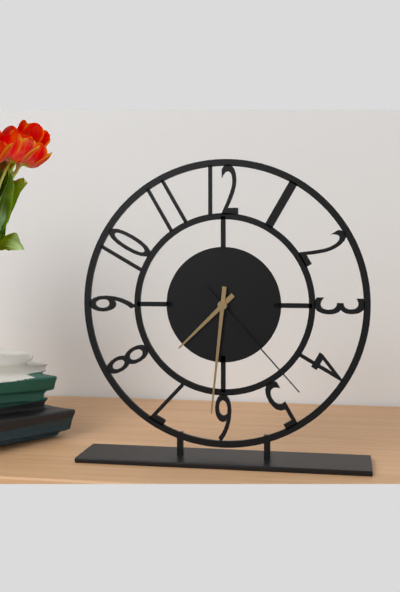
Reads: 7:31:23
